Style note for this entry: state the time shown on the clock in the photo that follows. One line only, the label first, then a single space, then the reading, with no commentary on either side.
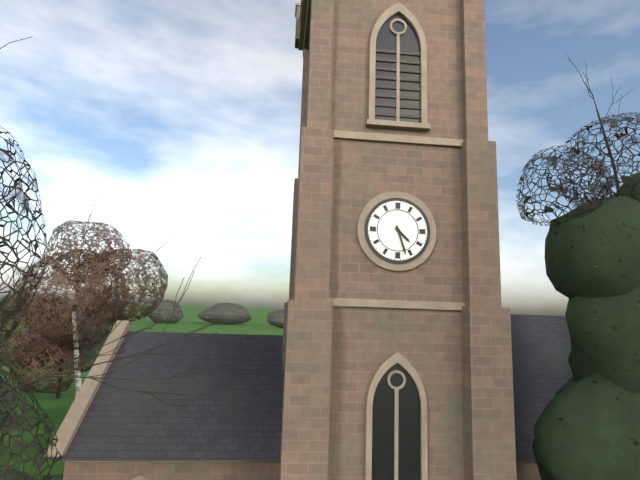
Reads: 4:27
